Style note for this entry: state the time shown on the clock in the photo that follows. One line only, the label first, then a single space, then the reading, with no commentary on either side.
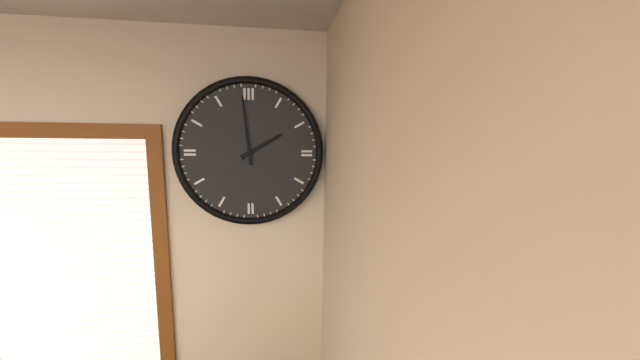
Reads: 1:59
